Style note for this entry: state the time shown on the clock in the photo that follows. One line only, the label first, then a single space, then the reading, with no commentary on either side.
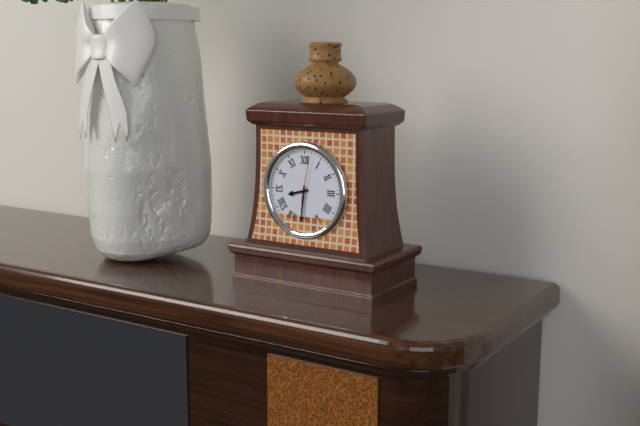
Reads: 8:31
